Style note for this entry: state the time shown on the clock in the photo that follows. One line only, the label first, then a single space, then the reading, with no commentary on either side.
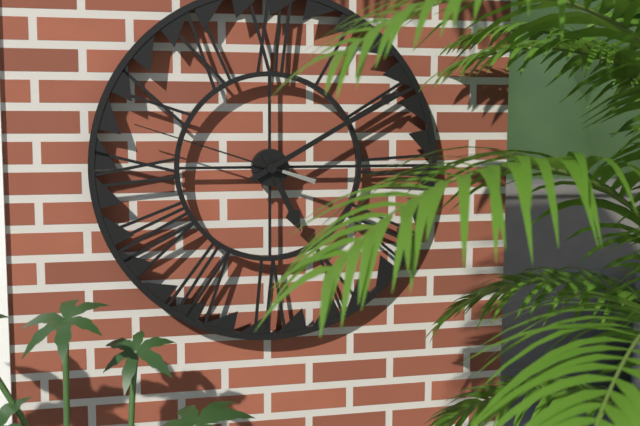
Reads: 5:10:48
